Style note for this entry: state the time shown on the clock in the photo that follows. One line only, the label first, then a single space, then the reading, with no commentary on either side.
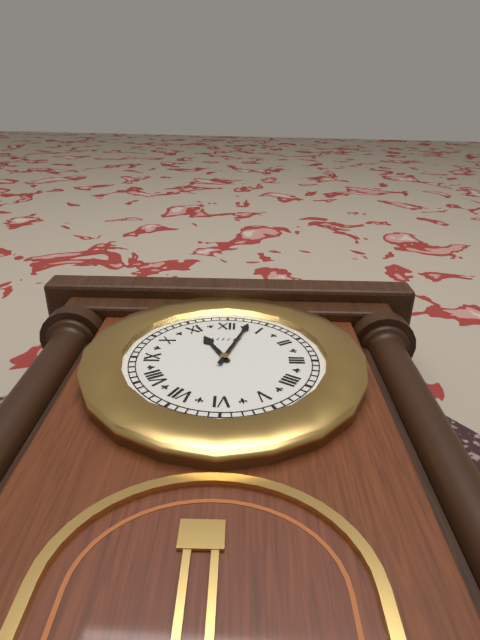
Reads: 11:03
